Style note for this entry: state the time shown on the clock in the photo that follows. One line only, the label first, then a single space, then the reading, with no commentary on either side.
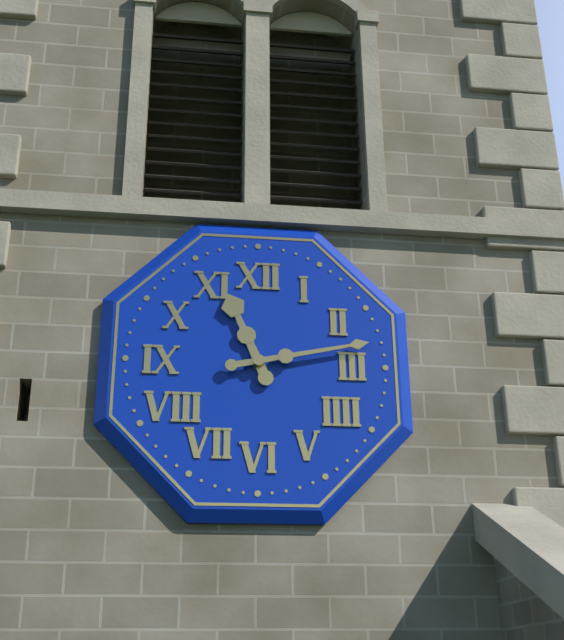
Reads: 11:13
